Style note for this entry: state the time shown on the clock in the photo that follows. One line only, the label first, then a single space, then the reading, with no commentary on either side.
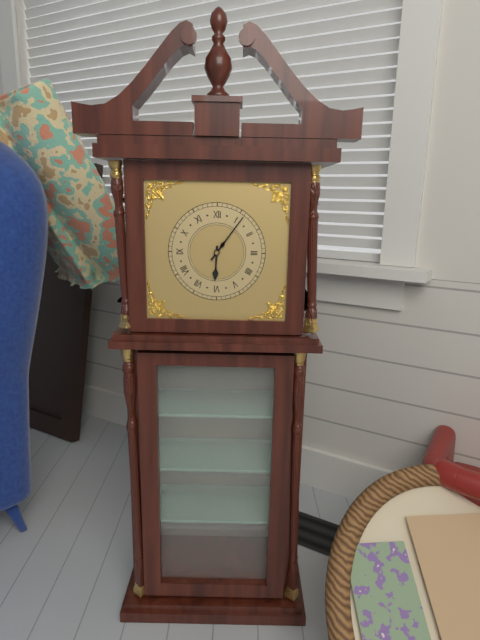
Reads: 6:06
